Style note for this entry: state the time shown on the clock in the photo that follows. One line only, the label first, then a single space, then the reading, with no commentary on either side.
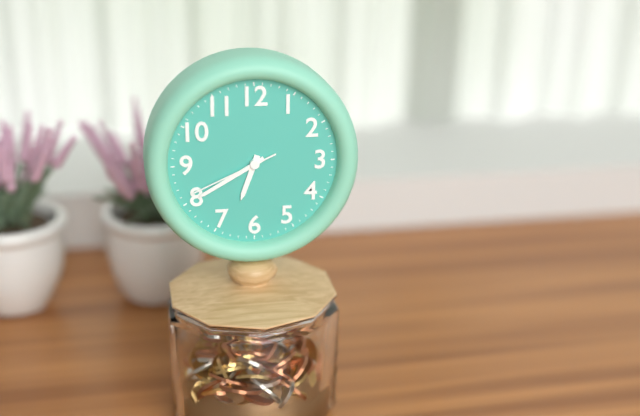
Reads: 6:40:41
